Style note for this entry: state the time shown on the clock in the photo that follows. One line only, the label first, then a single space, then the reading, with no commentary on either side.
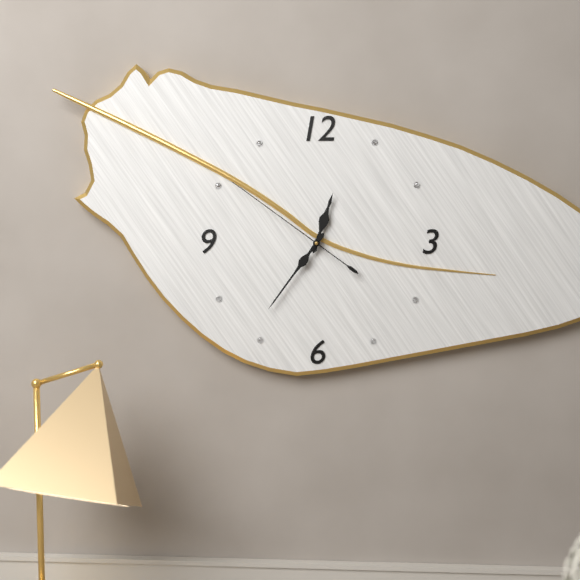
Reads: 12:36:51
